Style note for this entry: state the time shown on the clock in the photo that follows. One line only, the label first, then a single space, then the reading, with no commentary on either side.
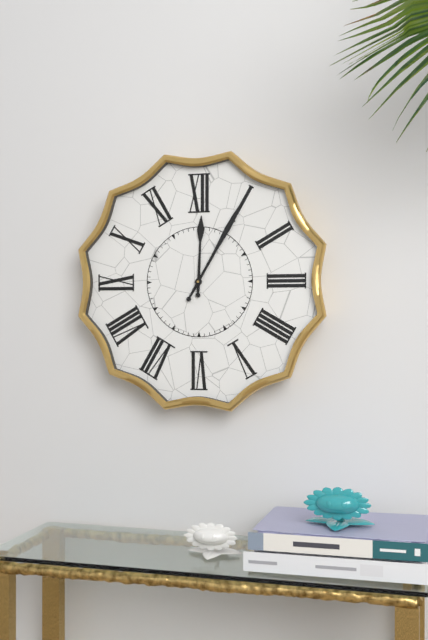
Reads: 12:05
